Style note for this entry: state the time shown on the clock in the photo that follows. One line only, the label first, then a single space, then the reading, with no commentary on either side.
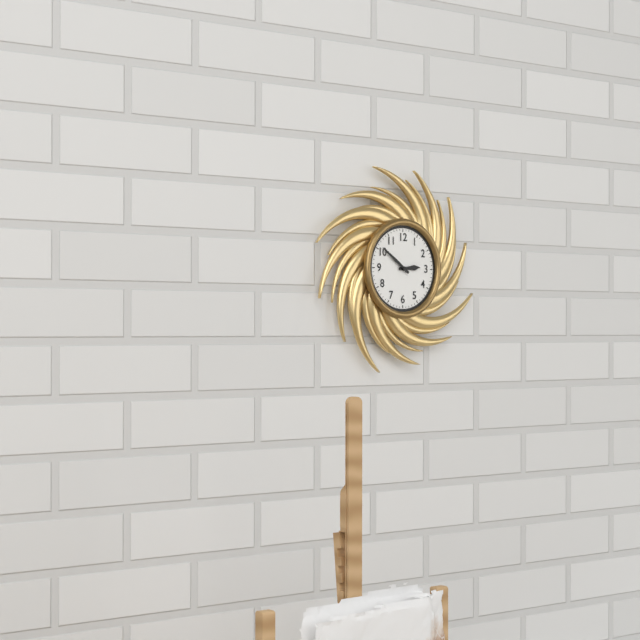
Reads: 2:51
